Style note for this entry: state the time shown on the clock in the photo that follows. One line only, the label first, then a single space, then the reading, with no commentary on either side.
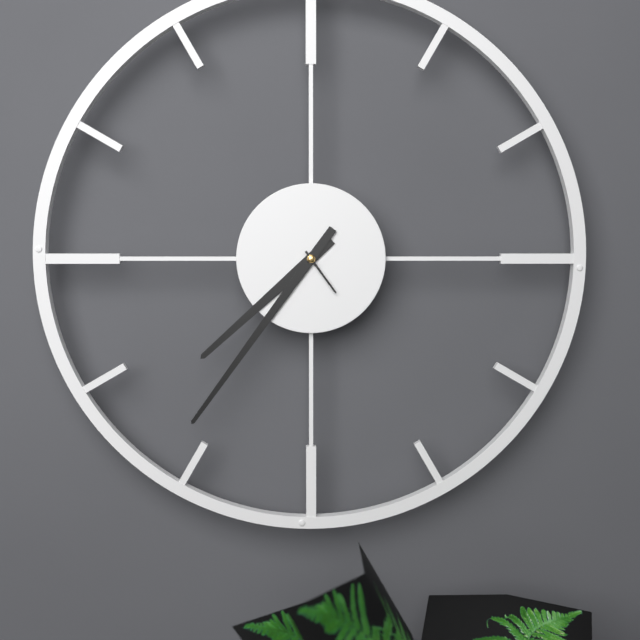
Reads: 7:36:24
